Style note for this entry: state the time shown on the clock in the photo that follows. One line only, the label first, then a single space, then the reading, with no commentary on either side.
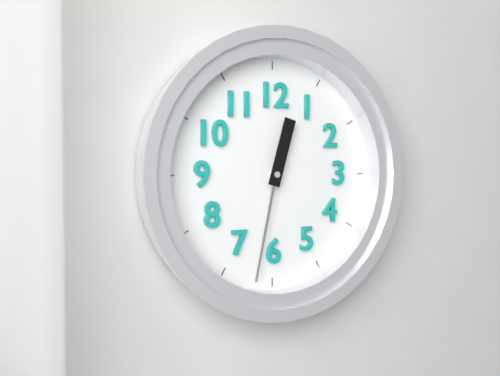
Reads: 12:32
